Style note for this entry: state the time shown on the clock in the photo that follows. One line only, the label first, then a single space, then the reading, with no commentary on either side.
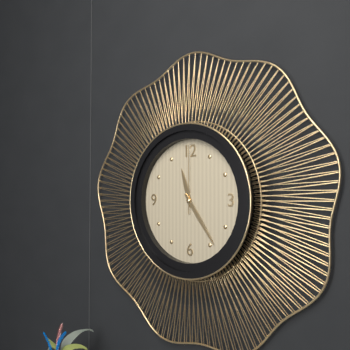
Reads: 11:24:00
